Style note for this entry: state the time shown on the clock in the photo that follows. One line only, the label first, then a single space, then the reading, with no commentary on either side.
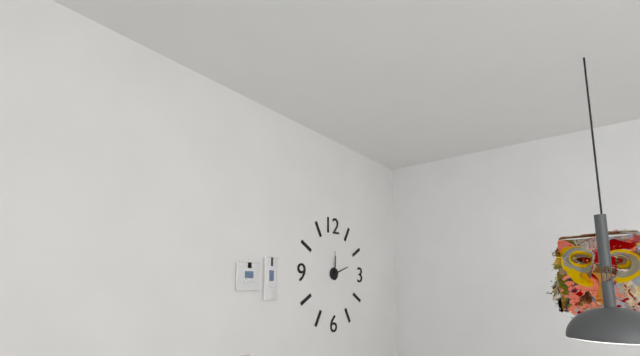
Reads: 12:12
